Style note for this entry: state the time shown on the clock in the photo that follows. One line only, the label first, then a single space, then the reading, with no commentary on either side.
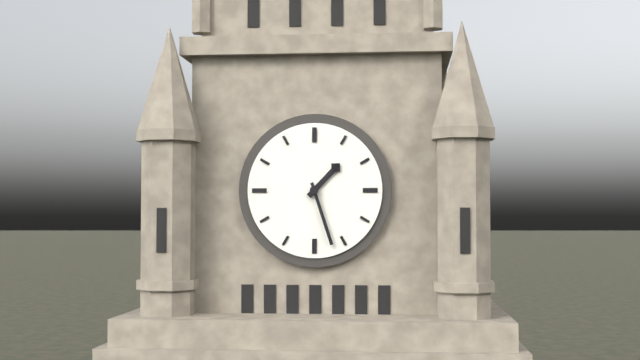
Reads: 1:27
